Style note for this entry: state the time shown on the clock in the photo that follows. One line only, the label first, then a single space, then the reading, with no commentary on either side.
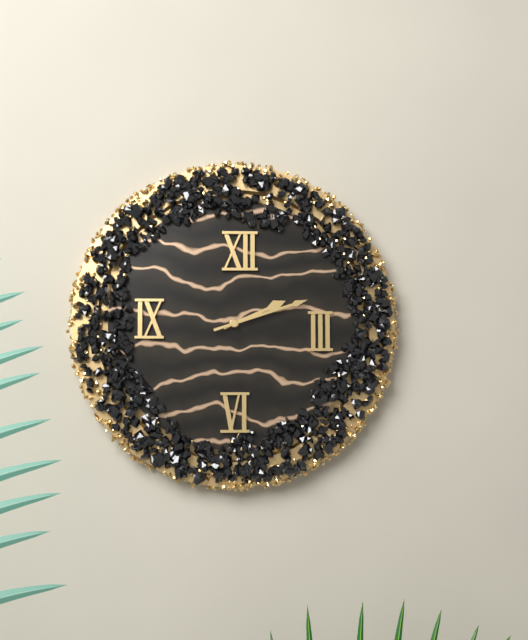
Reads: 2:12
